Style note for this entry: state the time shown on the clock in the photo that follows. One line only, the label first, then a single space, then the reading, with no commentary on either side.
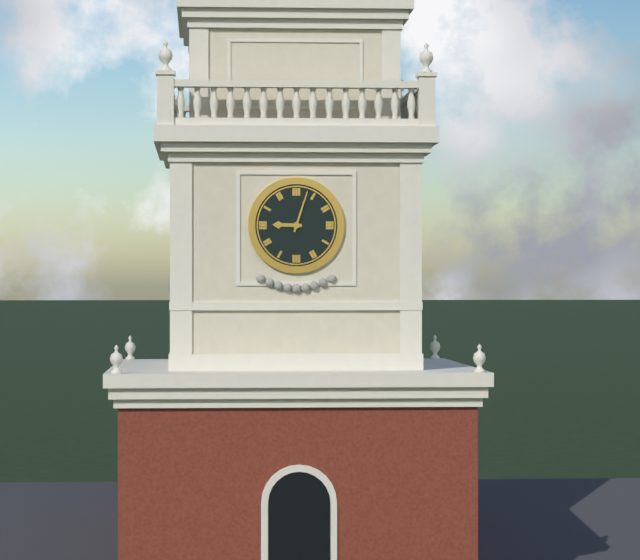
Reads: 9:03
